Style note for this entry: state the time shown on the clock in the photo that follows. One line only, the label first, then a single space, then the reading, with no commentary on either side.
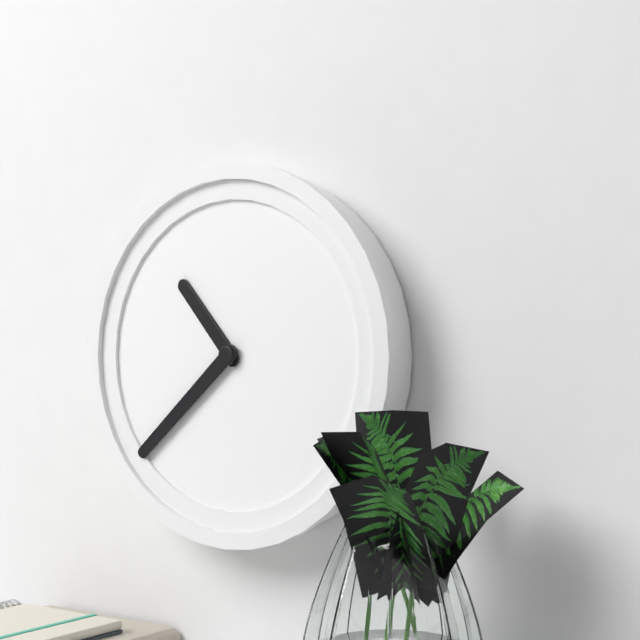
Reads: 10:38
